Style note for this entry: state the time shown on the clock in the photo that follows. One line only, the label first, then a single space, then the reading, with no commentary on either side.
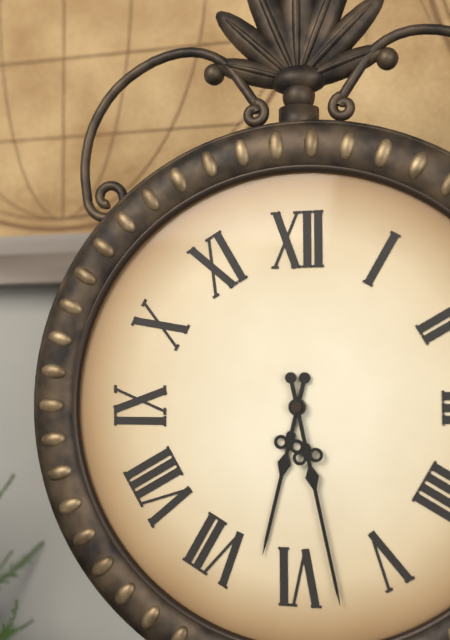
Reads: 6:28
